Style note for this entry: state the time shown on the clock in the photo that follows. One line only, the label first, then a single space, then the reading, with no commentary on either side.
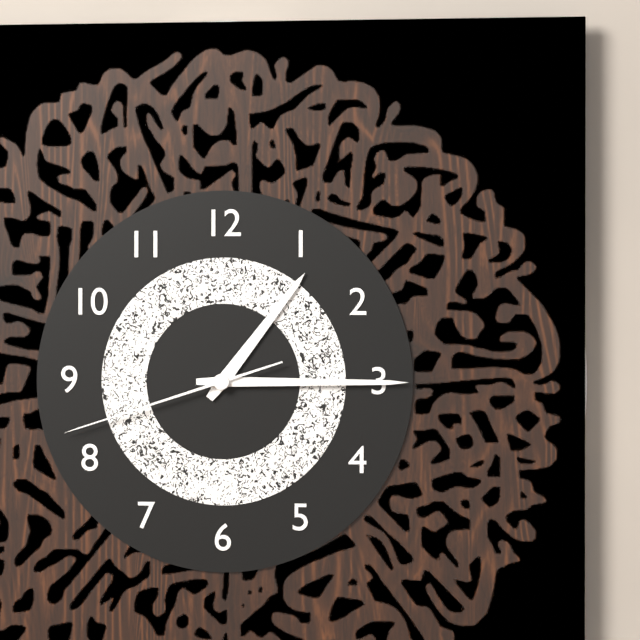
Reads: 1:15:42
